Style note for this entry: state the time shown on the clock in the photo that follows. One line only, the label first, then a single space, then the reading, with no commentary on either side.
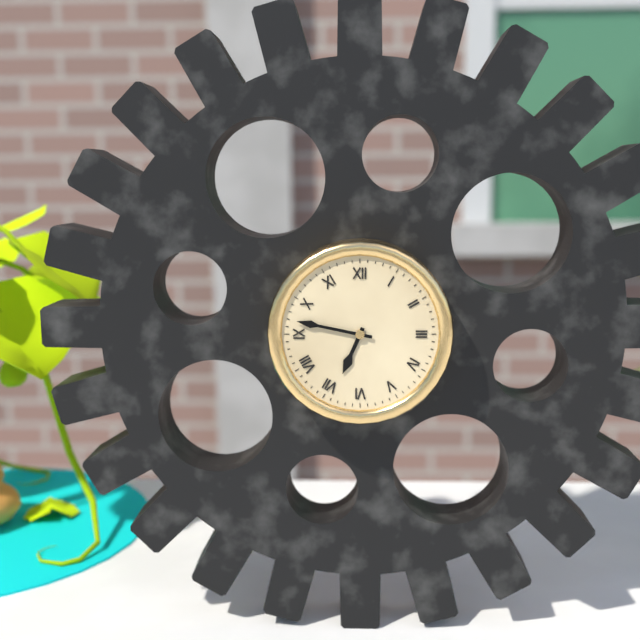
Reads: 6:47
